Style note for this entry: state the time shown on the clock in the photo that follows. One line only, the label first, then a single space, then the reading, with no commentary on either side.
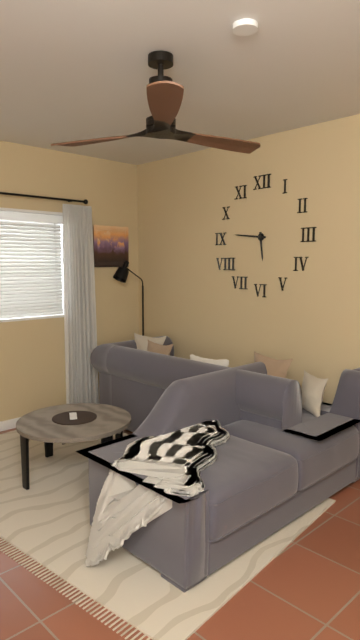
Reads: 5:46
